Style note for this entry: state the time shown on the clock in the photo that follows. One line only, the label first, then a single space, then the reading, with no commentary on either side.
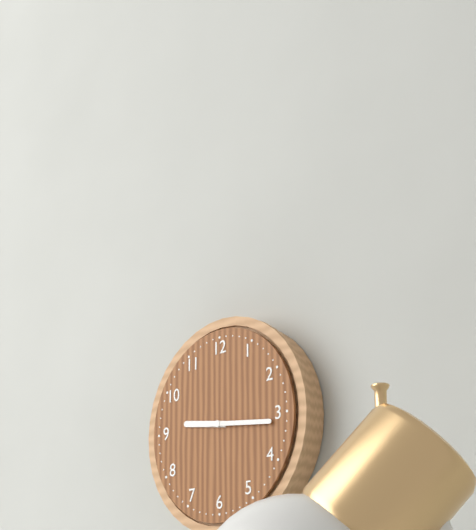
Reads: 9:16
